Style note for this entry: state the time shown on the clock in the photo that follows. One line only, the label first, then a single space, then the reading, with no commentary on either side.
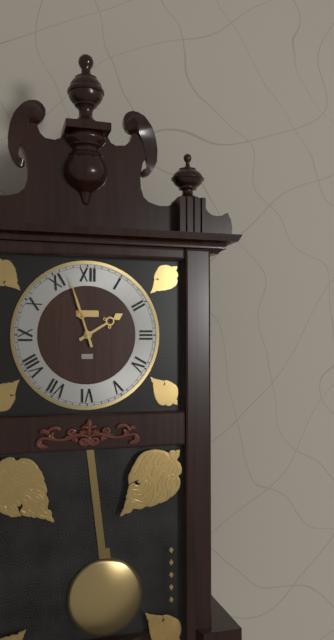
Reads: 1:57
